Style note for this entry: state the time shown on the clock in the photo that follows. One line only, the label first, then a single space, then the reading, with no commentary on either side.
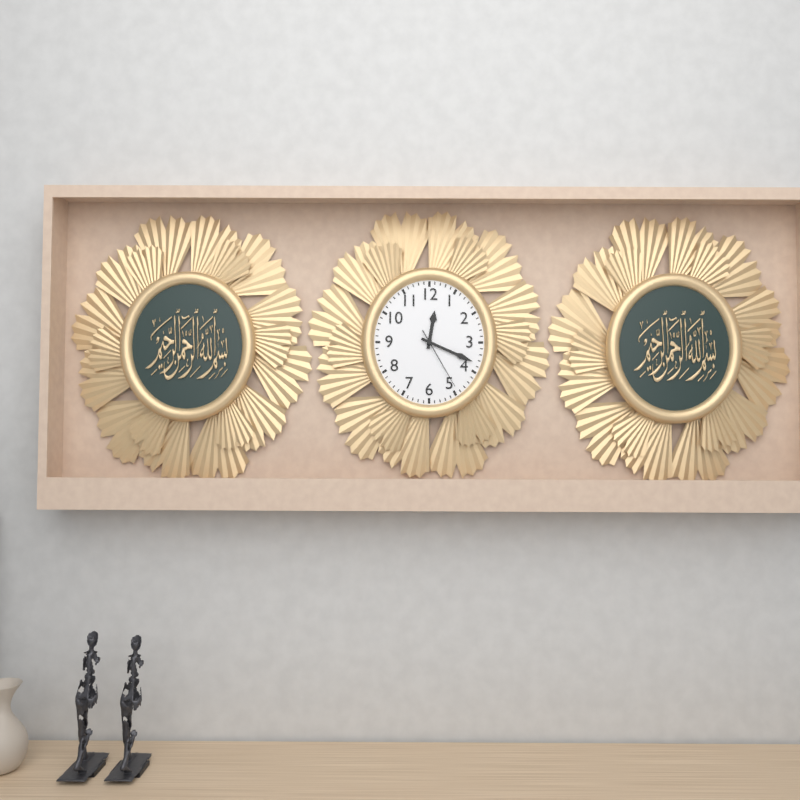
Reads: 12:19:25
